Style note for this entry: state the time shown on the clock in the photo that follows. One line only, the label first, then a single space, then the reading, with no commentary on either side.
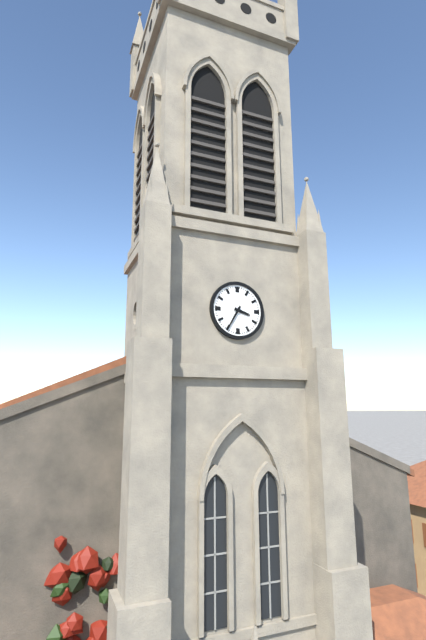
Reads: 3:35
